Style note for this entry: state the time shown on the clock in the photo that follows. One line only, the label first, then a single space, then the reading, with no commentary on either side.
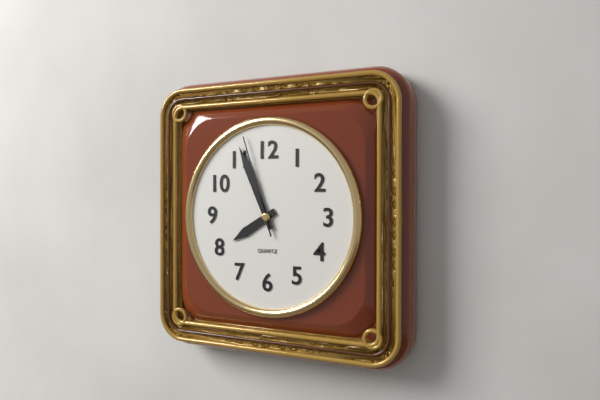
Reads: 7:56:57
